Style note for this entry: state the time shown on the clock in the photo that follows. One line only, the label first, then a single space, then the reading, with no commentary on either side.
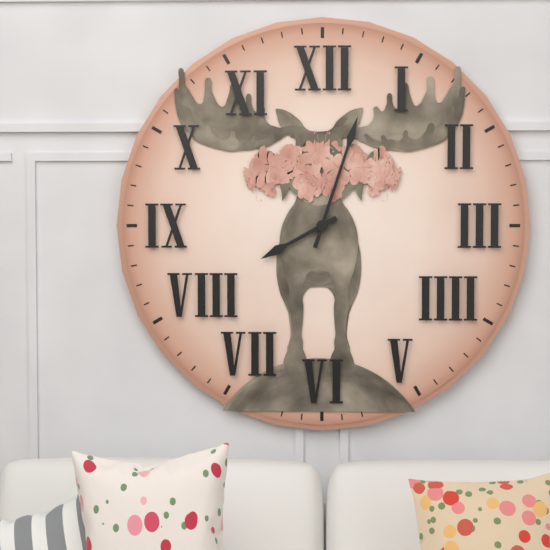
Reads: 8:03
